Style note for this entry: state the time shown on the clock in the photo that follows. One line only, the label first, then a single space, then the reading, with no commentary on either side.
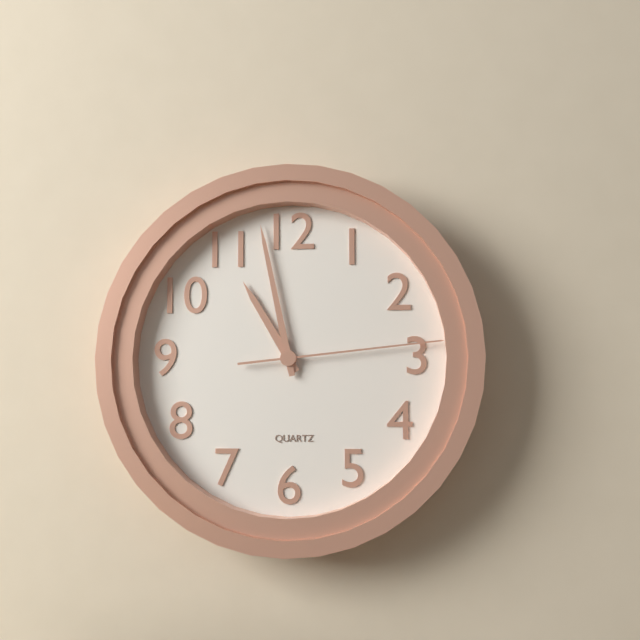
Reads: 10:58:14
